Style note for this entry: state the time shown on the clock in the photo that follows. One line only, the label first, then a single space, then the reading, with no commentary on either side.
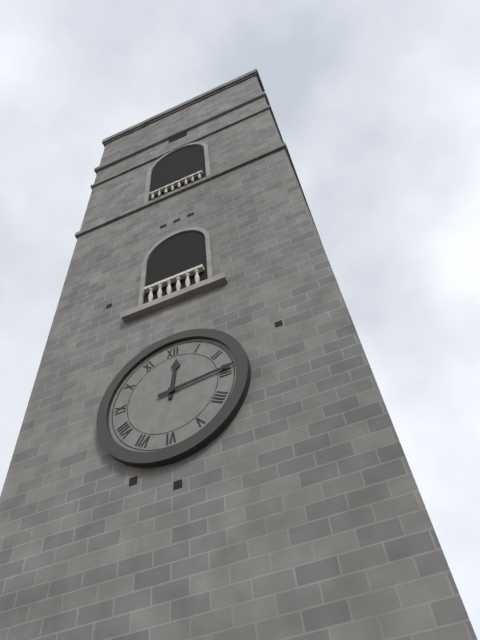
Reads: 12:14
